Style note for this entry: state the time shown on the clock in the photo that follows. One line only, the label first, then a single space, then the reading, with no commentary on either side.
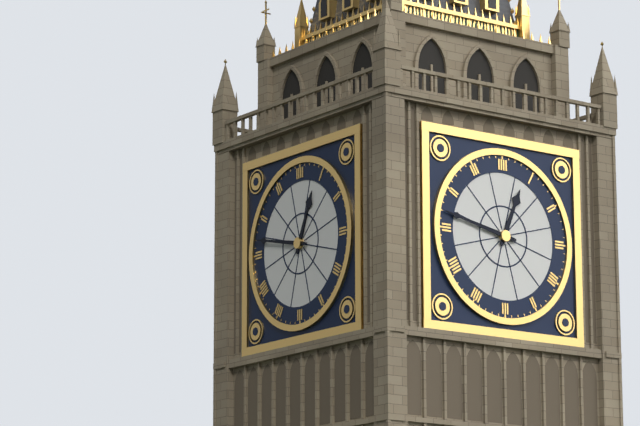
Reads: 12:47
